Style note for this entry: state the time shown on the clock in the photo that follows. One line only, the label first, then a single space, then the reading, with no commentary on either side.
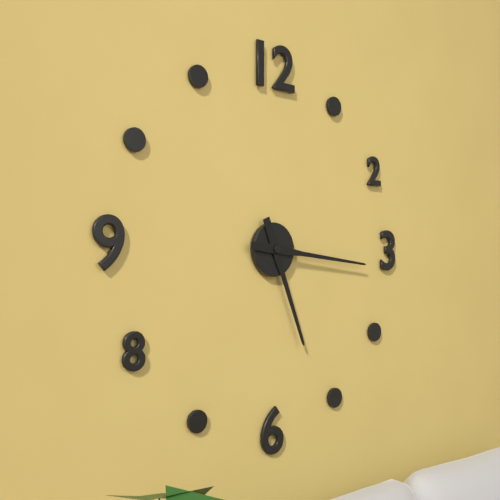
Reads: 5:16
